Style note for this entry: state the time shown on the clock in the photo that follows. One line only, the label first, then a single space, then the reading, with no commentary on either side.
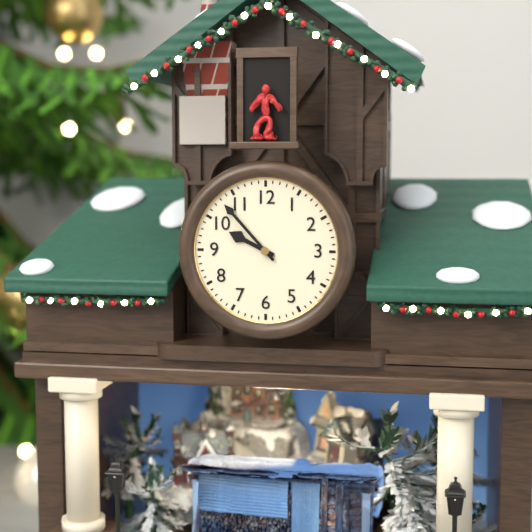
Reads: 9:53
